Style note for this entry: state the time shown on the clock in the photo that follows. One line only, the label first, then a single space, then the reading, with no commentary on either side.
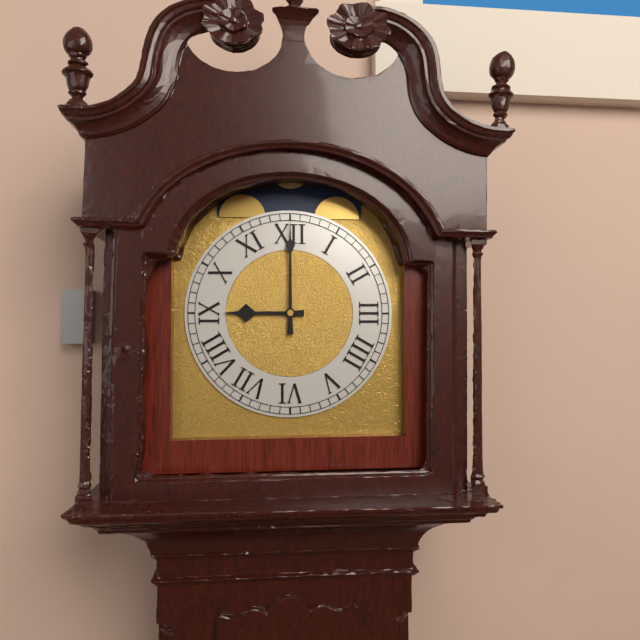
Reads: 9:00
